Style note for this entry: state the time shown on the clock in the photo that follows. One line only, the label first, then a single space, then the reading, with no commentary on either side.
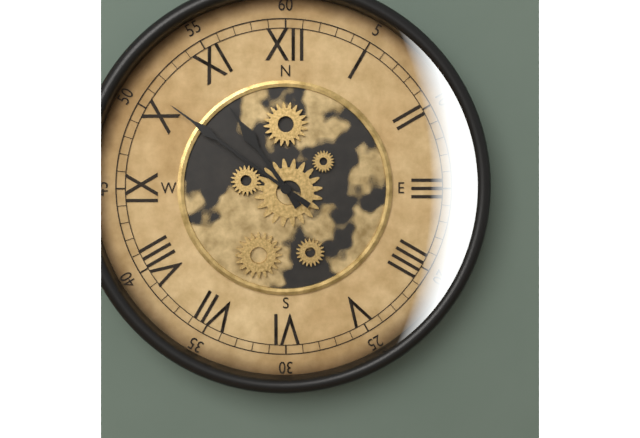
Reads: 10:51
